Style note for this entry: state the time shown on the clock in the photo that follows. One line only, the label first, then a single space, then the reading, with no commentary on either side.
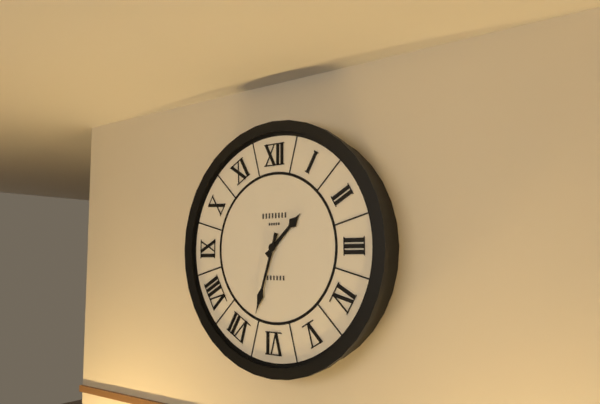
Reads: 1:33
